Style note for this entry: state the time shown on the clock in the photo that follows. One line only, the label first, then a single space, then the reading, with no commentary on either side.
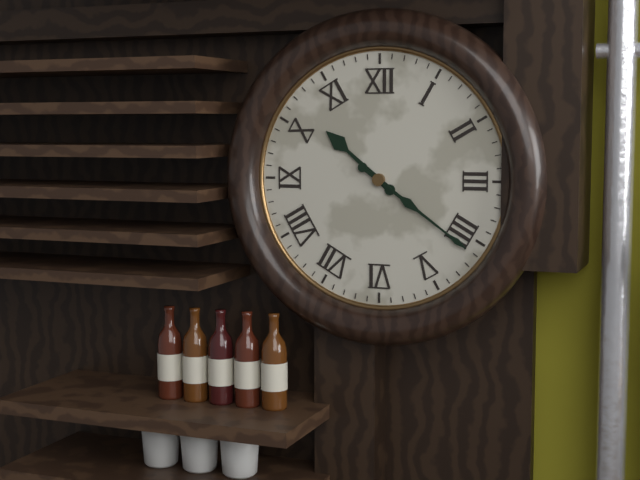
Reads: 10:21
